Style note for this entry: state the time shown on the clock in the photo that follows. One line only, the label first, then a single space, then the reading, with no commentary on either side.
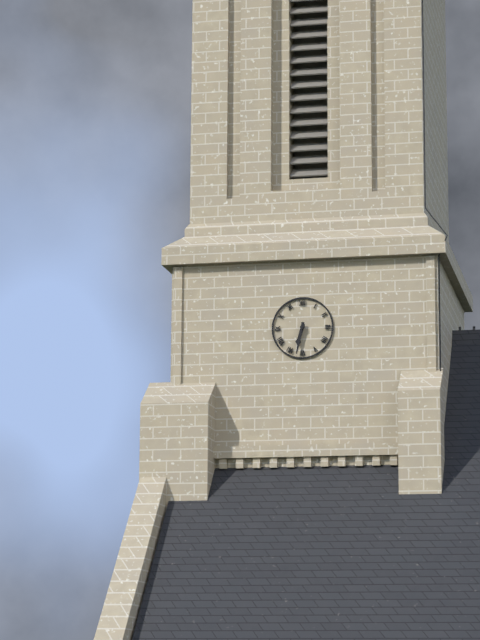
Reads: 6:32
